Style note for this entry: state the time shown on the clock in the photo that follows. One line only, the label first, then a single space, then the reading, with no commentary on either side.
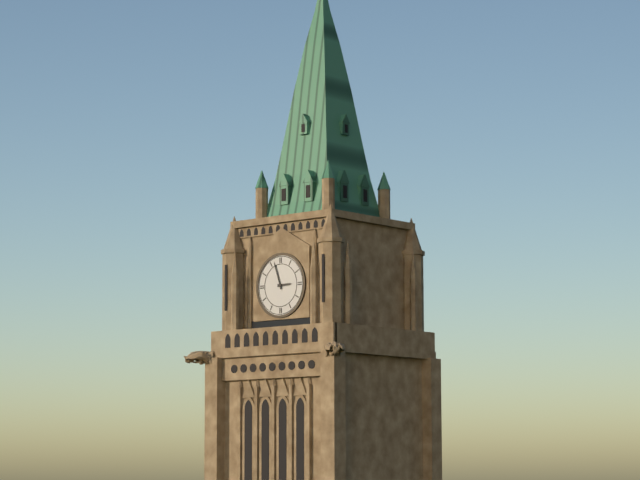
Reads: 2:57
